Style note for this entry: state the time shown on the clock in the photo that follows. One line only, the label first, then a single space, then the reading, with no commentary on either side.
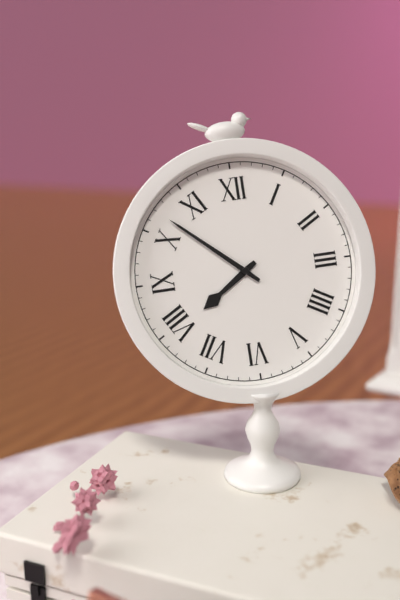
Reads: 7:52
